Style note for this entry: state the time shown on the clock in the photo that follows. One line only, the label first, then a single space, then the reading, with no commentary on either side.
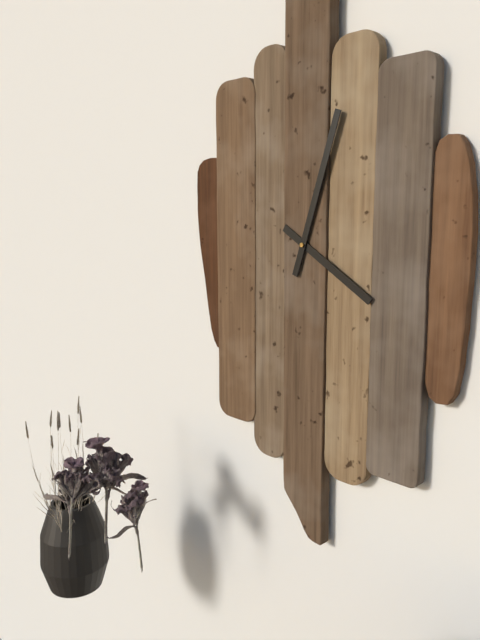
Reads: 4:03
